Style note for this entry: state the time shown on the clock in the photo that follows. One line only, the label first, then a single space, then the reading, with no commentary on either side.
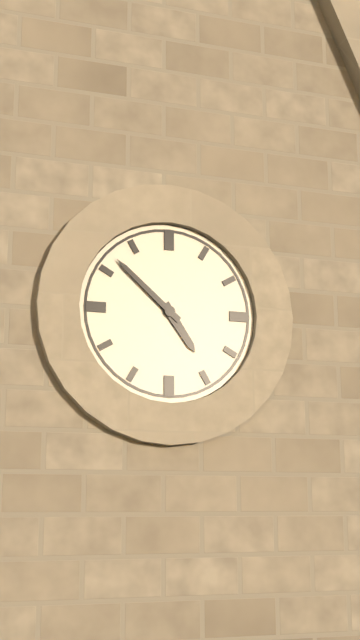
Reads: 4:52
